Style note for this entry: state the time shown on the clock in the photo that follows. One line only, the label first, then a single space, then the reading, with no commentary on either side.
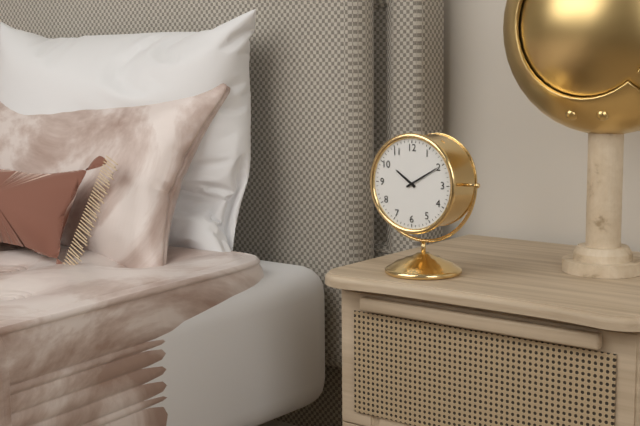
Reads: 10:10
